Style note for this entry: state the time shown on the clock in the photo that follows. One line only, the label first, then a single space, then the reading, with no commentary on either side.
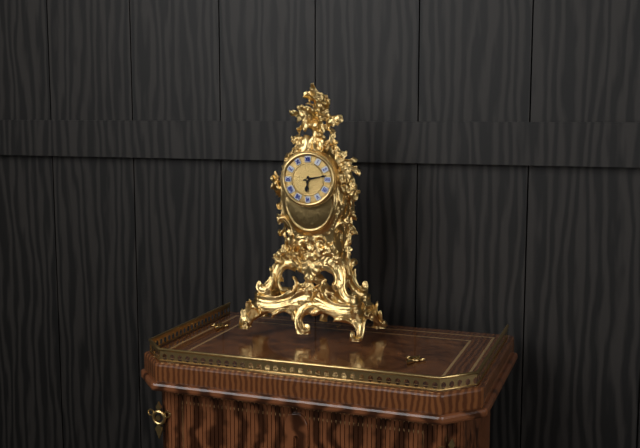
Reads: 6:13
